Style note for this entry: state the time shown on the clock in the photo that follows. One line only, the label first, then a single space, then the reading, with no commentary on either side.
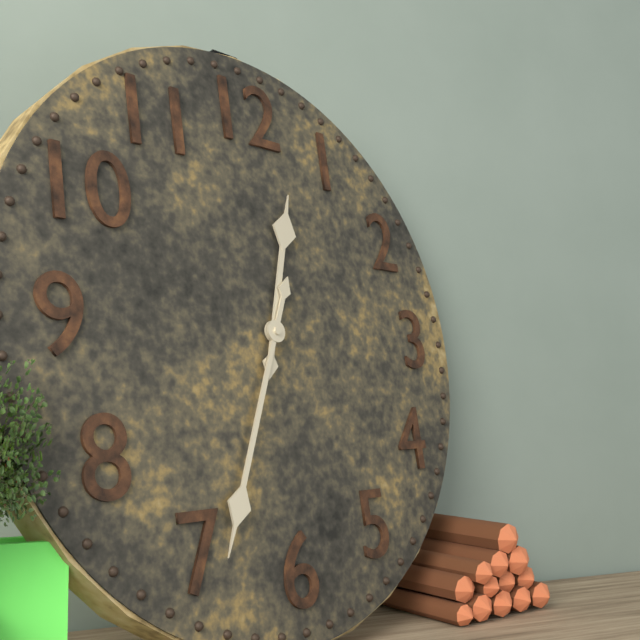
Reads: 12:34
